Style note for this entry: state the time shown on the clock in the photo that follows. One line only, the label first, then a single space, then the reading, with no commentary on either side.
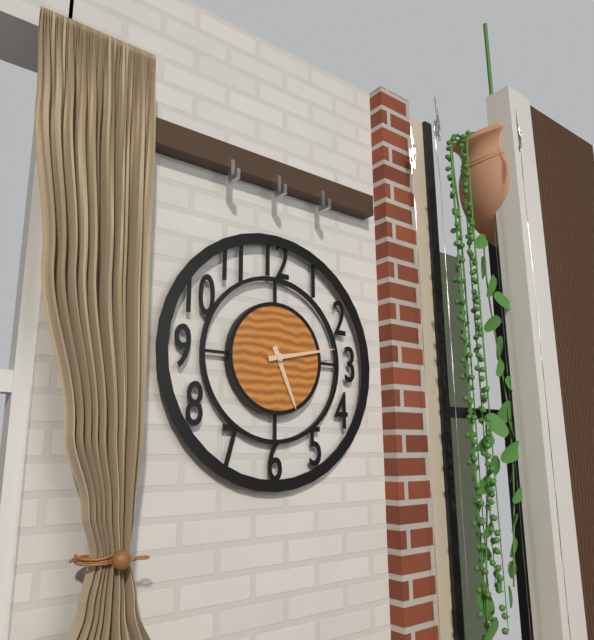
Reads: 5:13
